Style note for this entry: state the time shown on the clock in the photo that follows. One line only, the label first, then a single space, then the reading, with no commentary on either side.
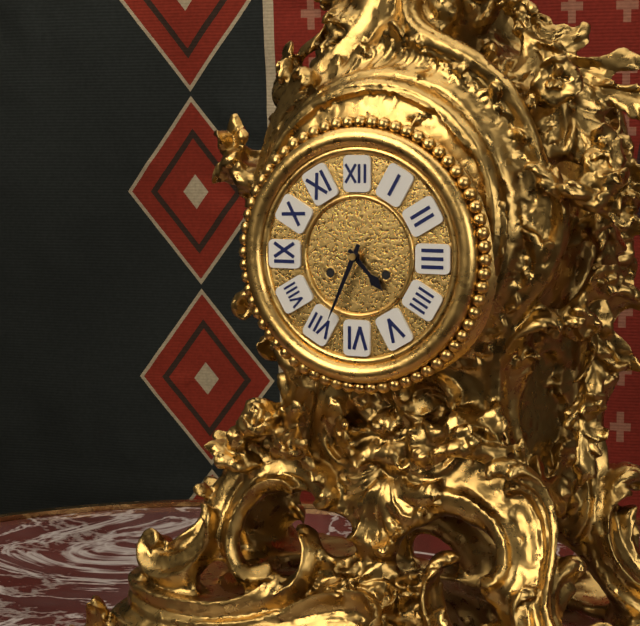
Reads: 4:34
